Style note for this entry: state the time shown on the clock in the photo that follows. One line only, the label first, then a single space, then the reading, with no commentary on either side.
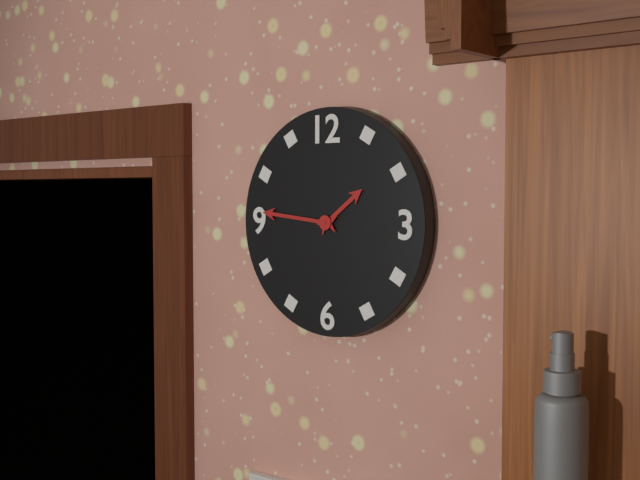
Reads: 1:46
